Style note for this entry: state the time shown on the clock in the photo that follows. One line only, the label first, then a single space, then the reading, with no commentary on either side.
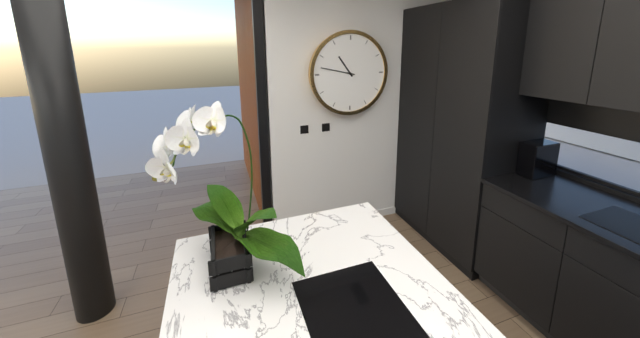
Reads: 10:47
